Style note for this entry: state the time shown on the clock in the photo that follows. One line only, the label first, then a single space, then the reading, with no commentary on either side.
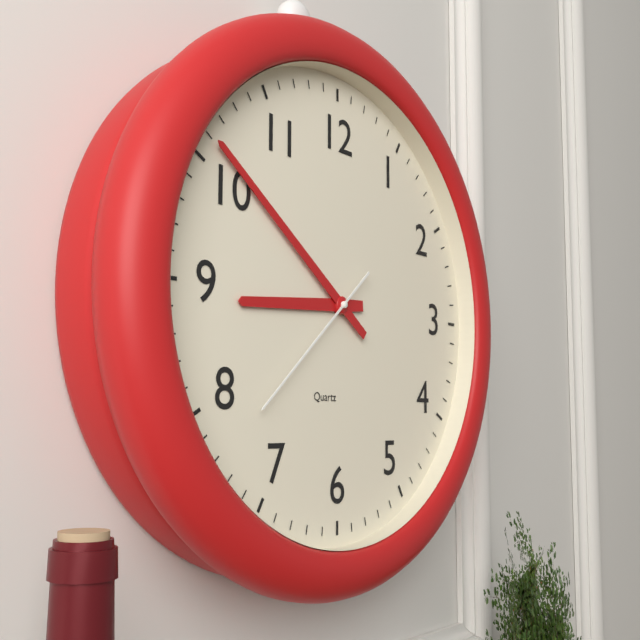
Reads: 8:51:38
